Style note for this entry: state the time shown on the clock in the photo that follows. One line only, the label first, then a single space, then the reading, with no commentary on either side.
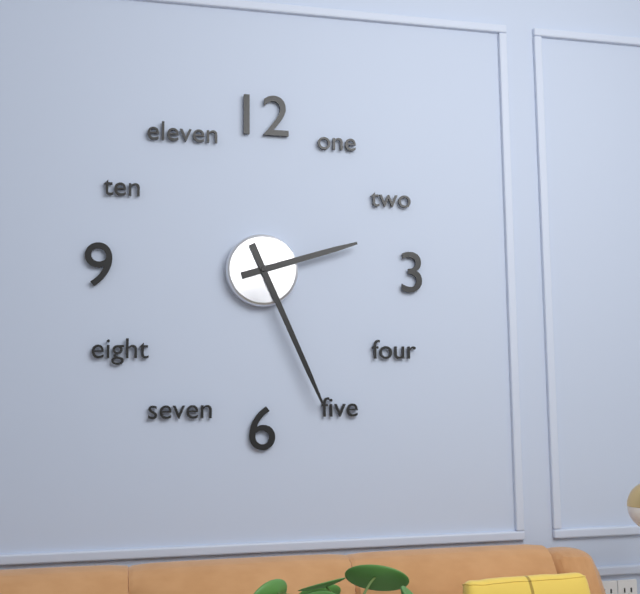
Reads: 2:26
